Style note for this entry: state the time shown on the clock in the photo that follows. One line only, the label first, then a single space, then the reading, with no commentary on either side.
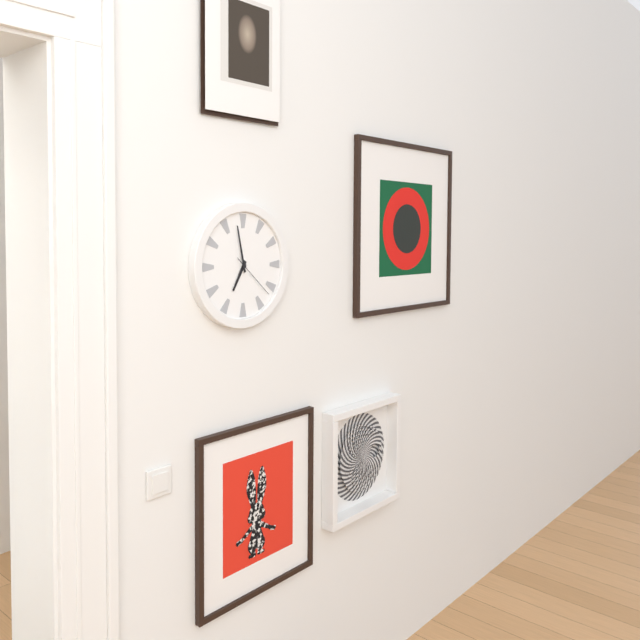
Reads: 6:58
